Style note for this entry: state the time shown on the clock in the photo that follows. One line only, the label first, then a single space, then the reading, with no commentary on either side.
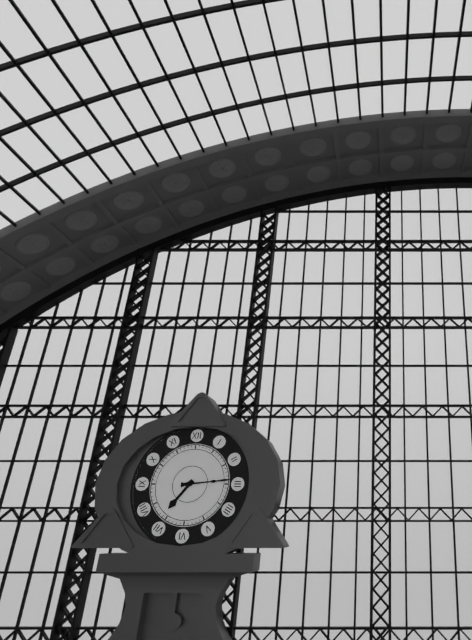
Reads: 7:14
